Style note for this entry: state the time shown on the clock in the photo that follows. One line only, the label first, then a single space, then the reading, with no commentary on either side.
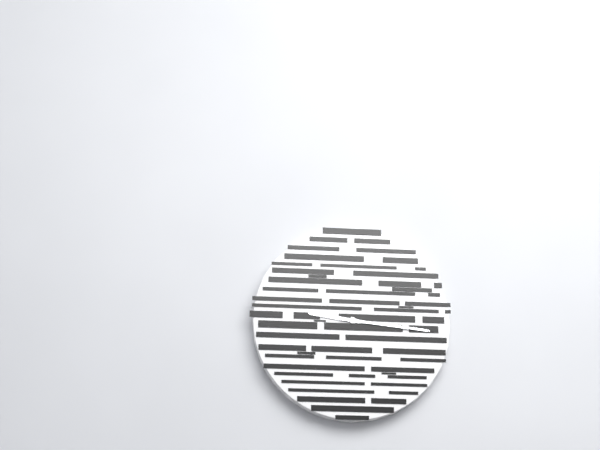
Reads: 9:16
